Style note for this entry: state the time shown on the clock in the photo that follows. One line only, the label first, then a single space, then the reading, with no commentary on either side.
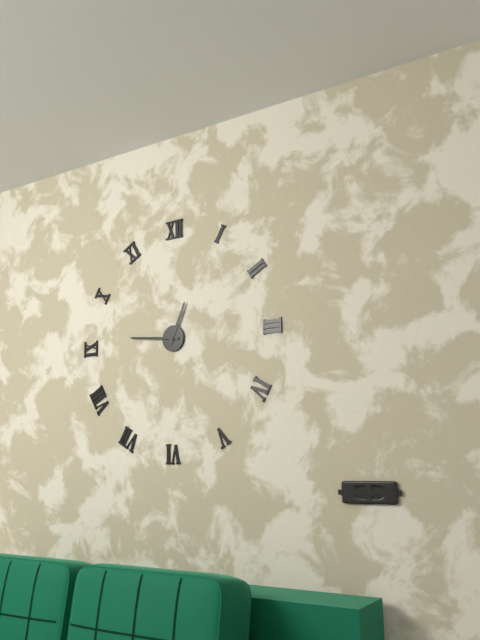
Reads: 12:46
